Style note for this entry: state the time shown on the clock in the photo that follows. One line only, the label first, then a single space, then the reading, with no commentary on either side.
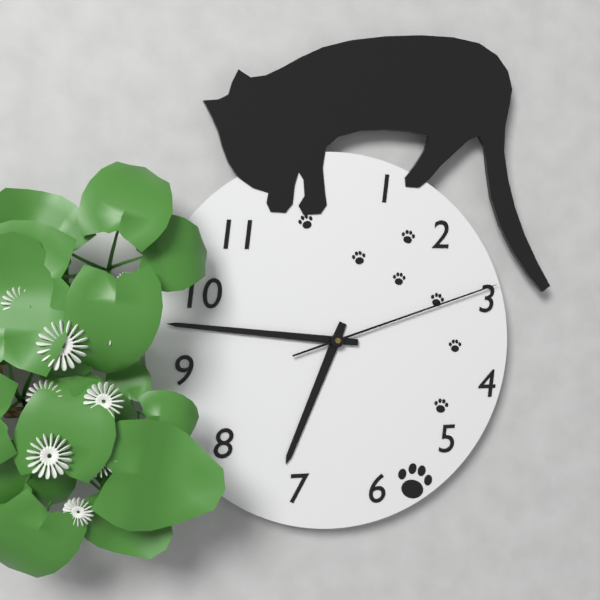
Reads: 6:46:12
